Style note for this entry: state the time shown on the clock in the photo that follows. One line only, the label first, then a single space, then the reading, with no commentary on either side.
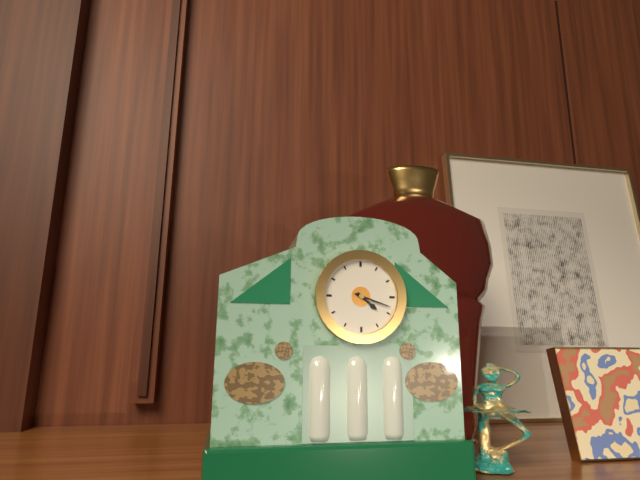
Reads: 4:18
